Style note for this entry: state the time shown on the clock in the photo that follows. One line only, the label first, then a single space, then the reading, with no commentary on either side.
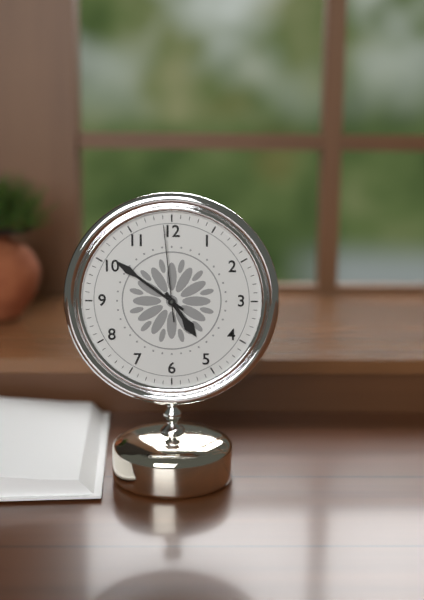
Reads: 4:51:59
